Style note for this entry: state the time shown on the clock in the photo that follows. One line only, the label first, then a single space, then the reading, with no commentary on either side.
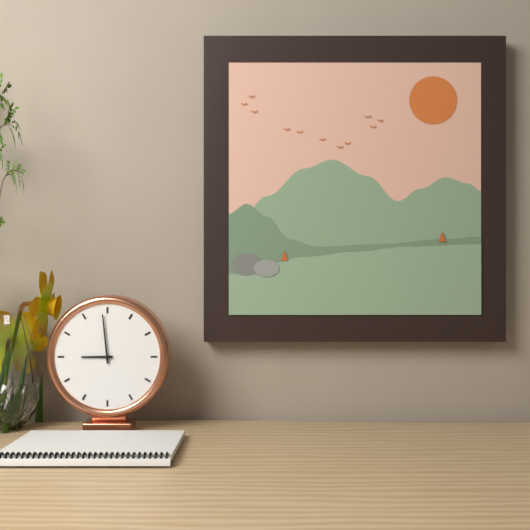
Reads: 8:59
